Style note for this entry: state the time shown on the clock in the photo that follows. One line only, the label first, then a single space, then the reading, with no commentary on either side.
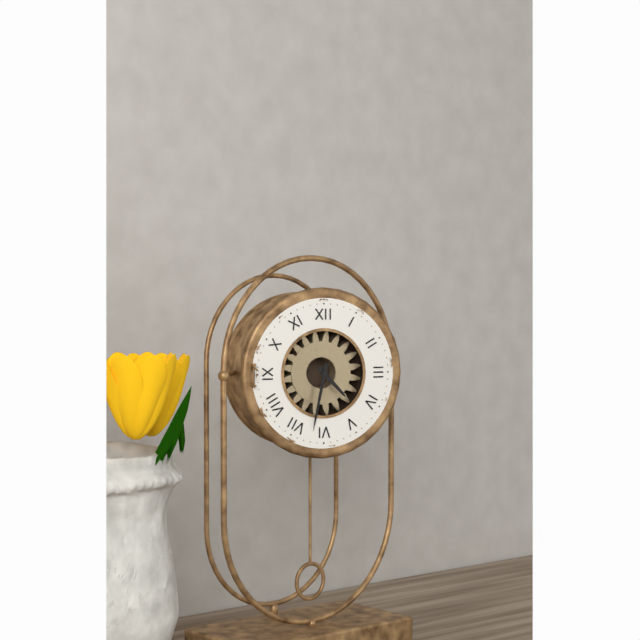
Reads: 4:32
